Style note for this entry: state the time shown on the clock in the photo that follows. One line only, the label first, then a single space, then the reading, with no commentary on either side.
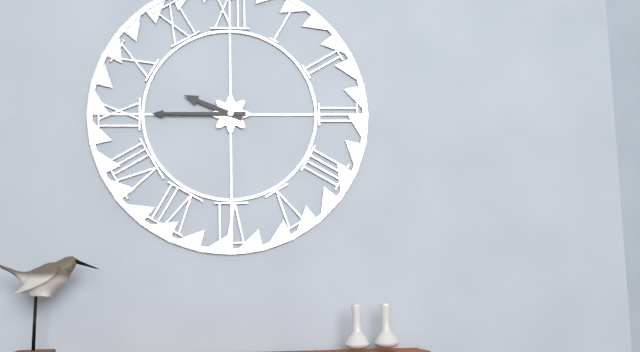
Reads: 9:45
